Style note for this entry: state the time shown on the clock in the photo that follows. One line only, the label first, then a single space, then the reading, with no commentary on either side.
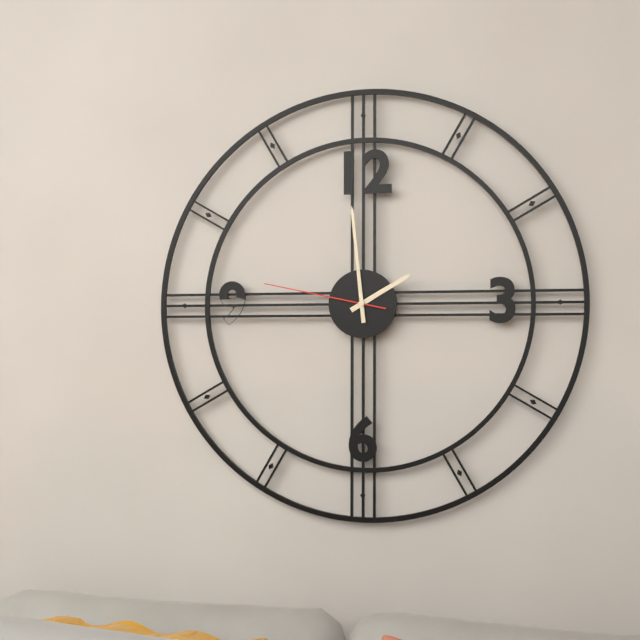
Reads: 1:59:47
